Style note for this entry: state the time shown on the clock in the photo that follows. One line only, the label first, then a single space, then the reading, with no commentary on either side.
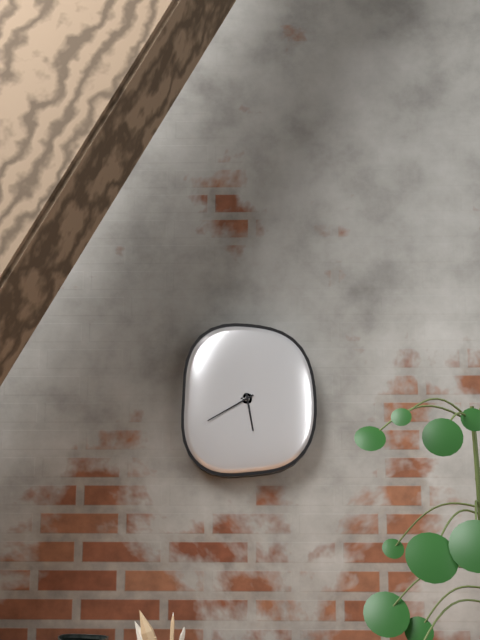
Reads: 5:40
